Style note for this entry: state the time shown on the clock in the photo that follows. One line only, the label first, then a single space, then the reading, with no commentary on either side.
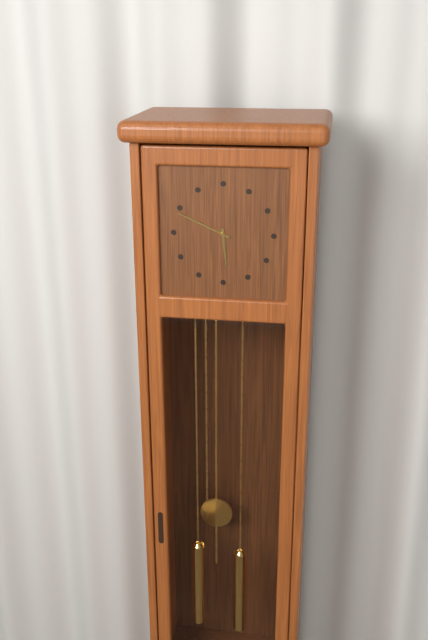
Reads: 5:49
